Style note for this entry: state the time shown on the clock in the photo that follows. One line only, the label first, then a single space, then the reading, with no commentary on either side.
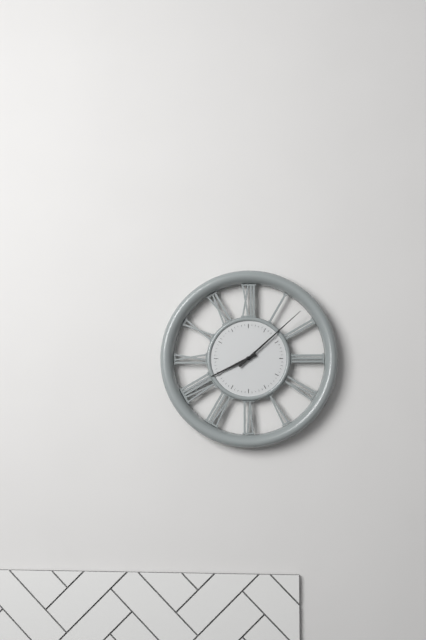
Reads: 8:08
